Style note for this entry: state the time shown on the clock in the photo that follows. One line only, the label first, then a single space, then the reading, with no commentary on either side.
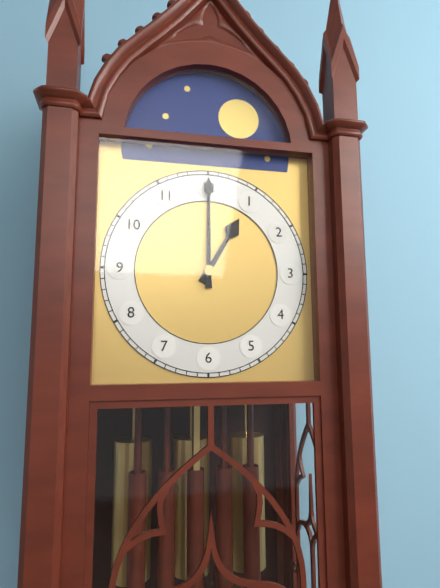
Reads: 1:00
